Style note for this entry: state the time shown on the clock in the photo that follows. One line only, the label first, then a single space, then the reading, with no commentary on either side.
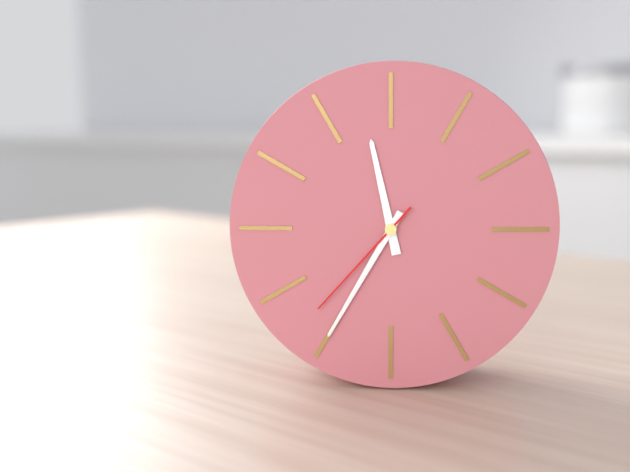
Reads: 11:35:37
